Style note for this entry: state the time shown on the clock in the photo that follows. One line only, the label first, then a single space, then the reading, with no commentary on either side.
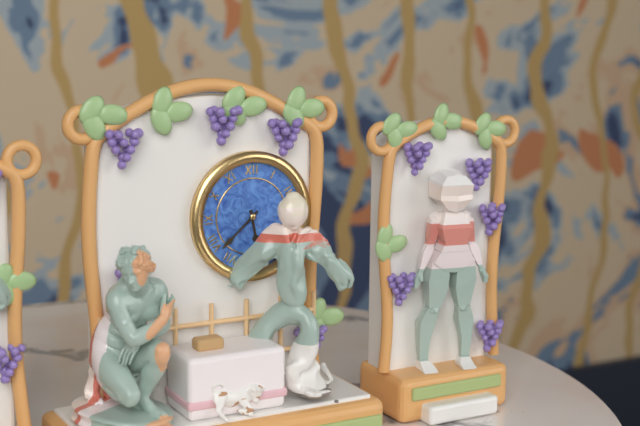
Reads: 5:38
